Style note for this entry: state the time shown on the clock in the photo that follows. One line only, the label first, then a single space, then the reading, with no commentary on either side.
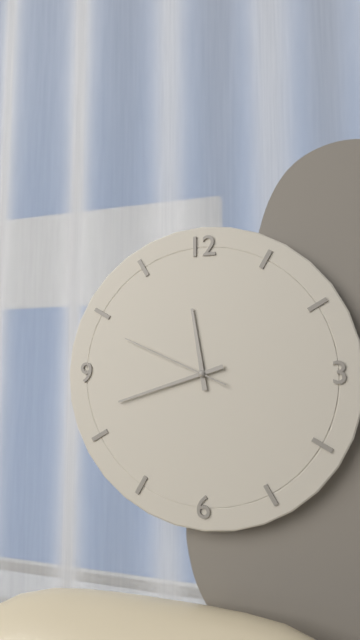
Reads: 11:42:49
